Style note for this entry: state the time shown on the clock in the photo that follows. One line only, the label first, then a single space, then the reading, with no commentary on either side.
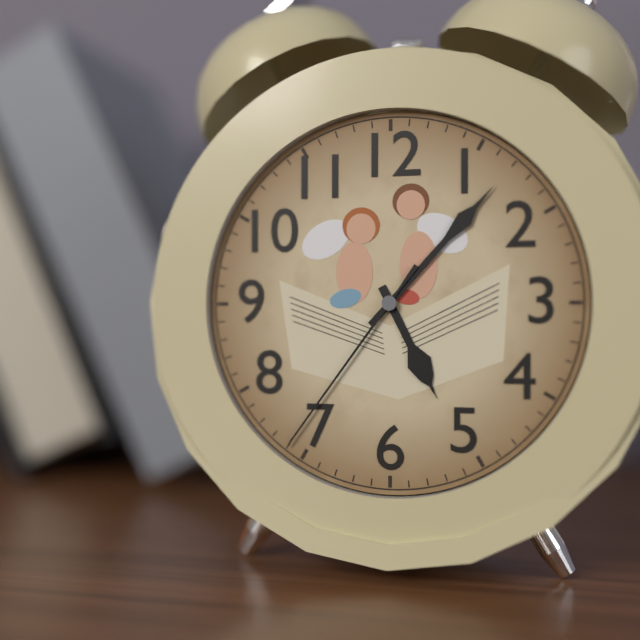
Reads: 5:07:36
